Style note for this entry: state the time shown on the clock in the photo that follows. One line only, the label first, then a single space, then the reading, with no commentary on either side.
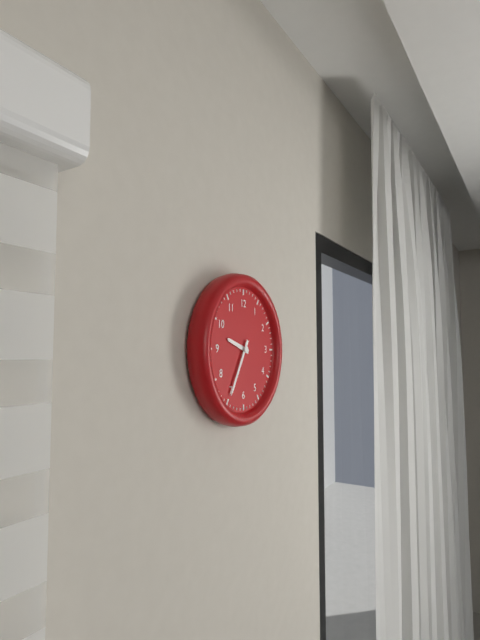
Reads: 9:35
